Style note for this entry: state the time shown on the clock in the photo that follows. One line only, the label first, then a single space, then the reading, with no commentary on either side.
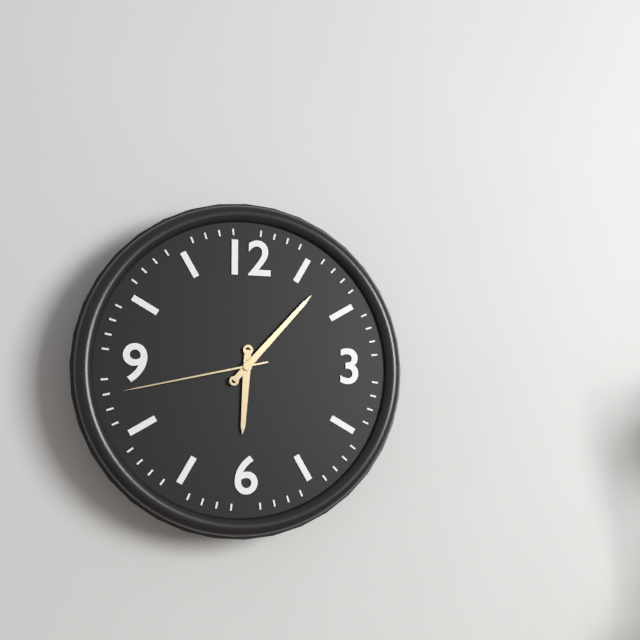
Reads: 6:07:43
